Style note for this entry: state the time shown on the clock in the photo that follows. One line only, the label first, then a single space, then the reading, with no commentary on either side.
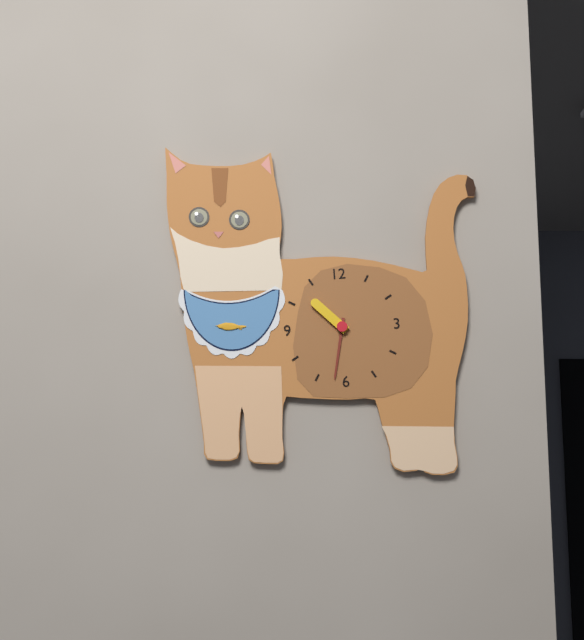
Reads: 10:32
